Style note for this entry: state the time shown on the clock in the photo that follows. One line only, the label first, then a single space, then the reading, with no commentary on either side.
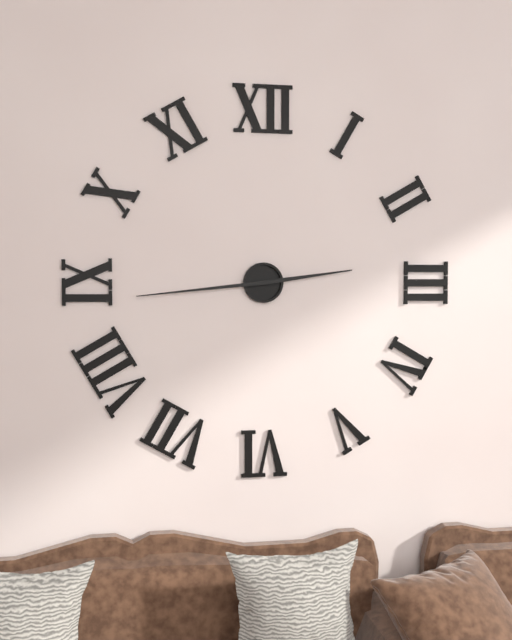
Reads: 2:44
